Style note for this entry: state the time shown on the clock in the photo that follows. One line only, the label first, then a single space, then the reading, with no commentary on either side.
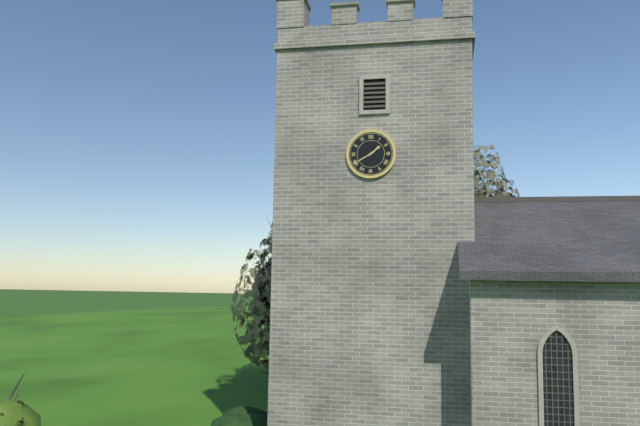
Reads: 1:40
